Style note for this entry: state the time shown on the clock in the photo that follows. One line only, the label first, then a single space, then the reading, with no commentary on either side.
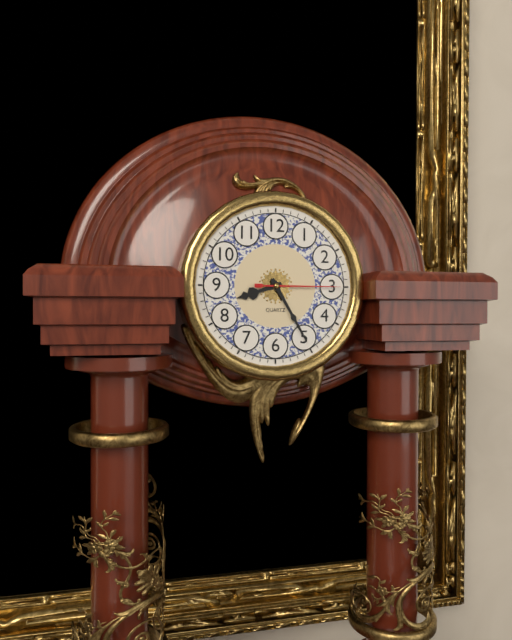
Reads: 8:25:15
